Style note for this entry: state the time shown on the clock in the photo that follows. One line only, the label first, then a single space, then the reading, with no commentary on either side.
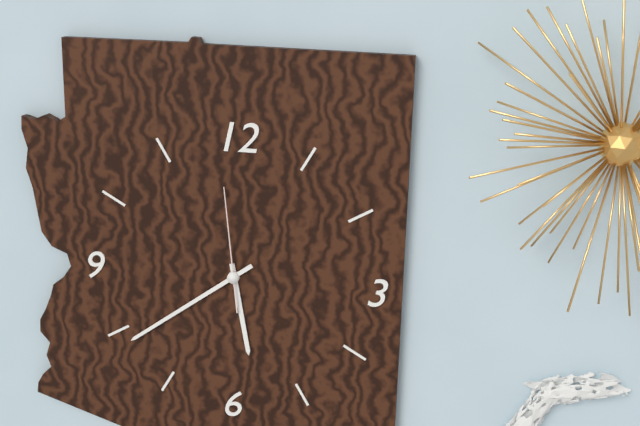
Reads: 5:39:59
